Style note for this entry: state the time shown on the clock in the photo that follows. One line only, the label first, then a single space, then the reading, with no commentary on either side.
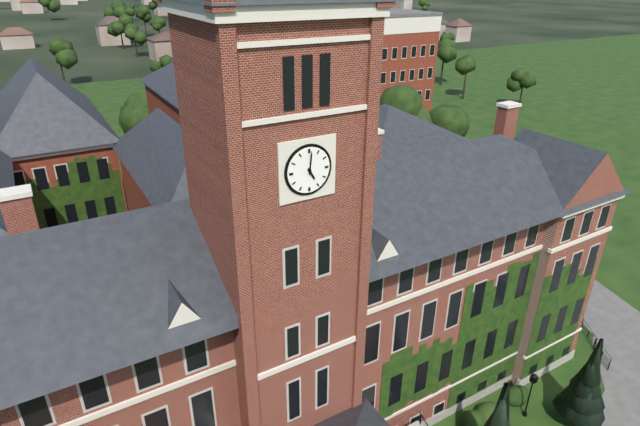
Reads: 5:01
